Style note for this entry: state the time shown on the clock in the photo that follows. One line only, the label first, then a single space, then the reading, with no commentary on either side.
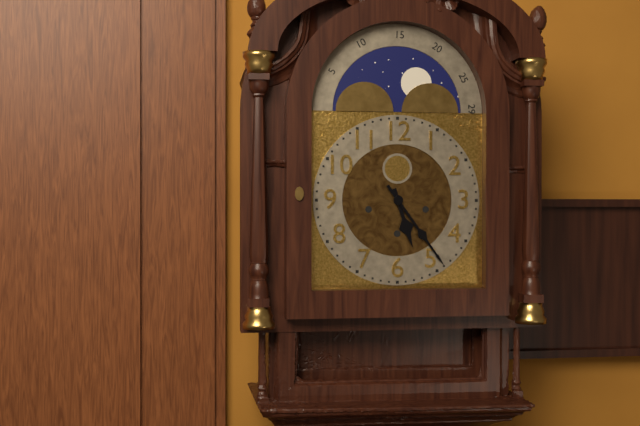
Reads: 5:24
